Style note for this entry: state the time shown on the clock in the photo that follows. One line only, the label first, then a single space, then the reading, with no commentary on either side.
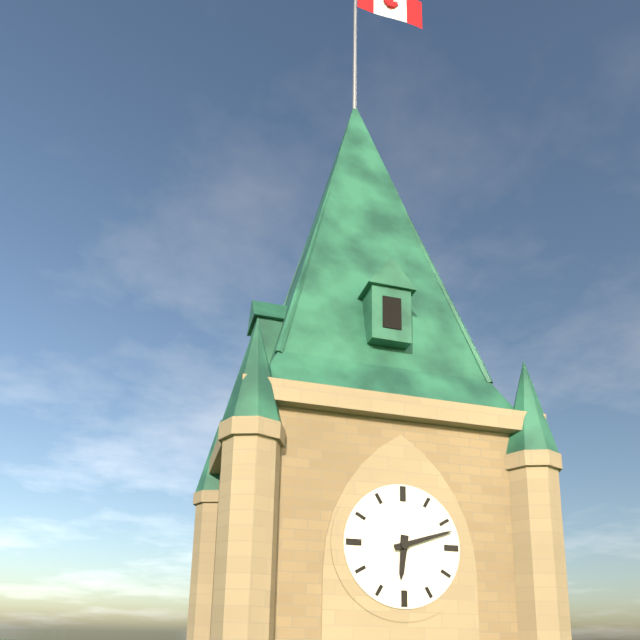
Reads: 6:12
